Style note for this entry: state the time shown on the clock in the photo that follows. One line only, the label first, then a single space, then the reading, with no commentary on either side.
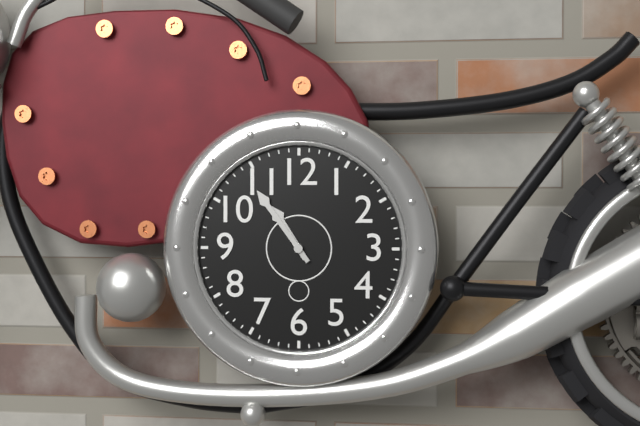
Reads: 10:54
